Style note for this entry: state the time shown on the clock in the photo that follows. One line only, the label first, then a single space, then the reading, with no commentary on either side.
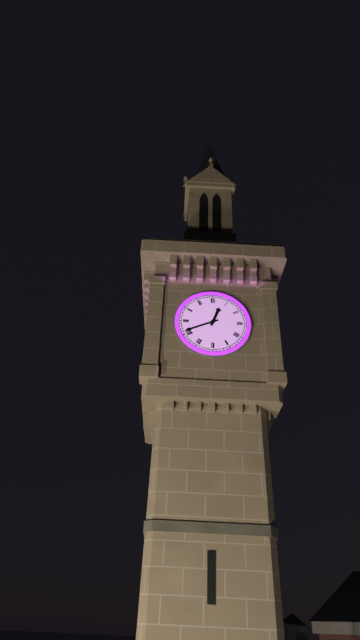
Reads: 12:41
